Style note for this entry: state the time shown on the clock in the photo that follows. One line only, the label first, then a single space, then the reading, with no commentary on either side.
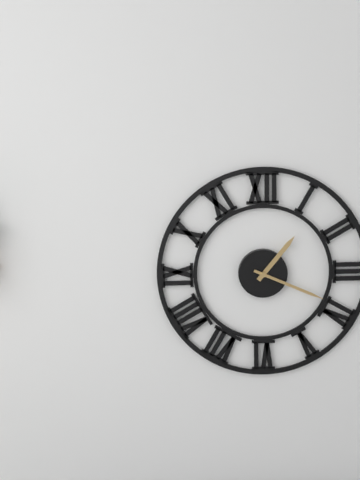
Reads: 1:19
